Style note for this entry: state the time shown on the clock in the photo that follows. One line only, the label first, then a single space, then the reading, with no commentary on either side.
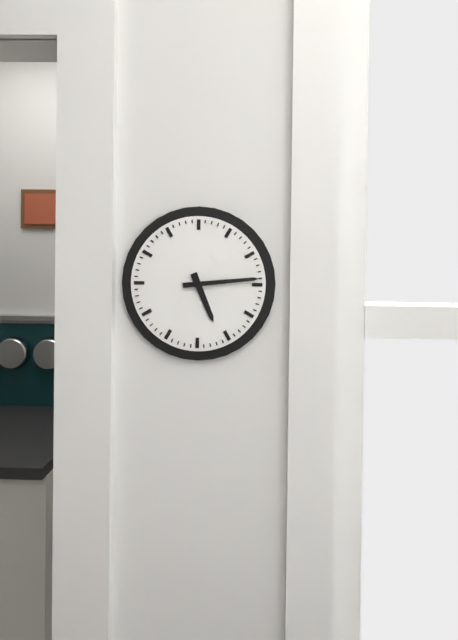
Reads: 5:14
